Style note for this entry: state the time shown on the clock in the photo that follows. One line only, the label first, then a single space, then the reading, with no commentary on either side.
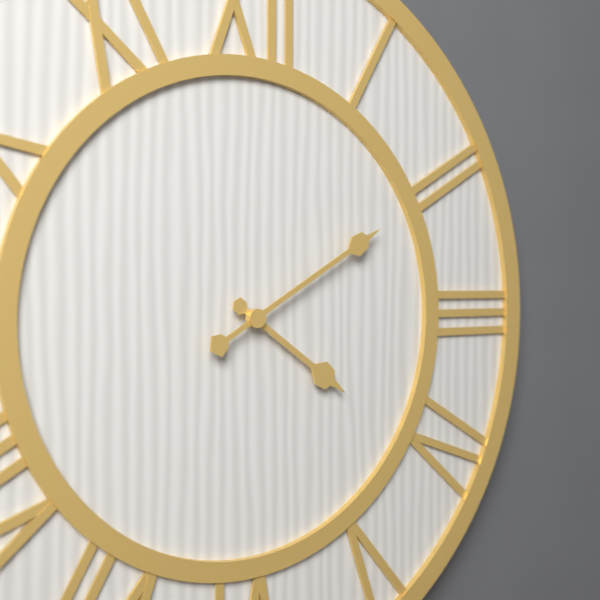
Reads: 4:10
